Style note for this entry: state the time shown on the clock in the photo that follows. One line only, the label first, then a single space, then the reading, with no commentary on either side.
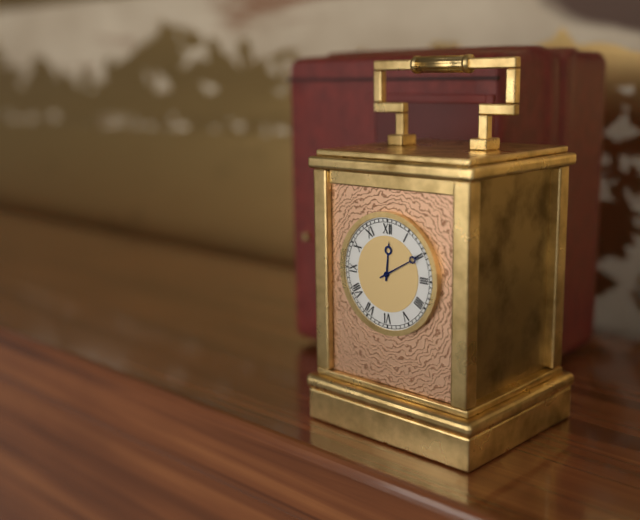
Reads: 12:10
